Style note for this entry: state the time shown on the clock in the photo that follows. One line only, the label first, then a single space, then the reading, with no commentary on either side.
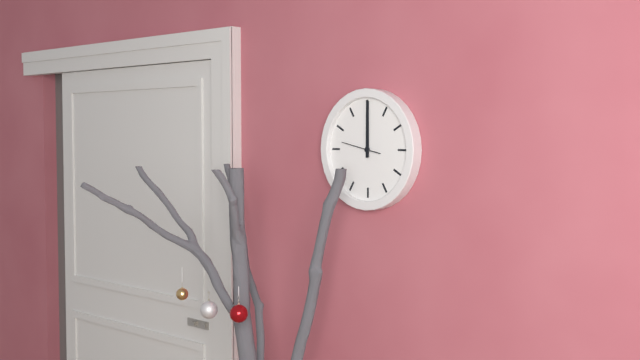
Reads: 12:00
